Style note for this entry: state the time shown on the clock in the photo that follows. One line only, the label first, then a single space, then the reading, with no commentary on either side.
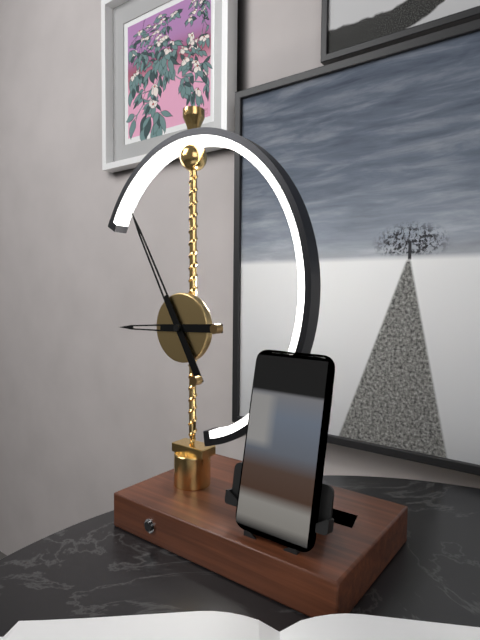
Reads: 8:55
